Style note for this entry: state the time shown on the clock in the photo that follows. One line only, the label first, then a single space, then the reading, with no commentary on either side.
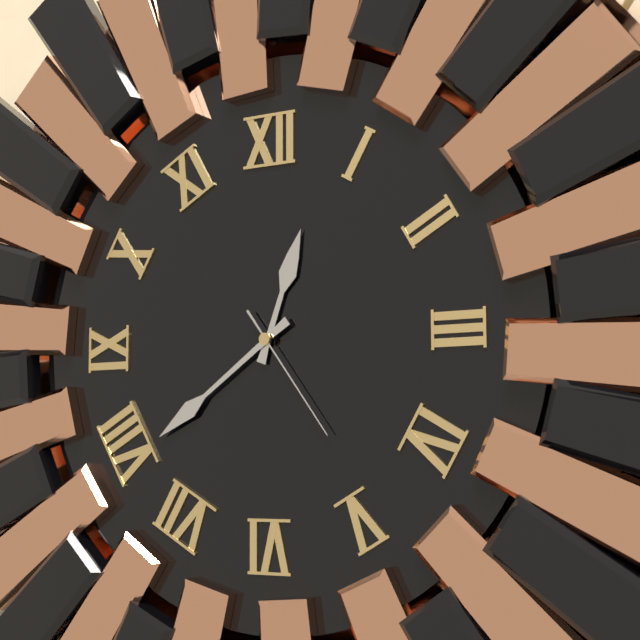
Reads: 12:39:24
